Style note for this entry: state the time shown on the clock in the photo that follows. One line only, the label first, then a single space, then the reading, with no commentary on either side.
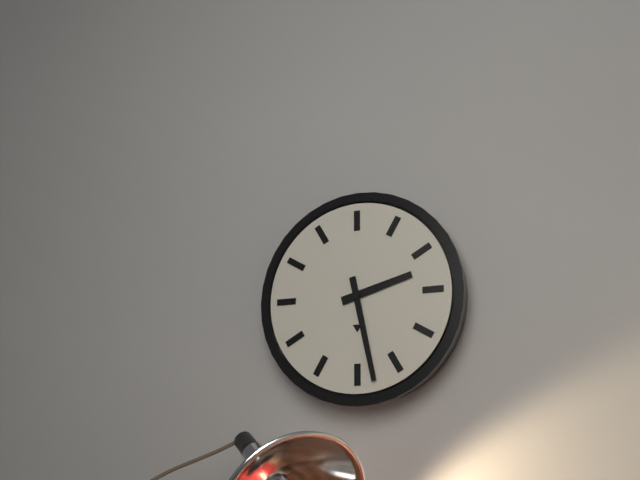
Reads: 2:28
